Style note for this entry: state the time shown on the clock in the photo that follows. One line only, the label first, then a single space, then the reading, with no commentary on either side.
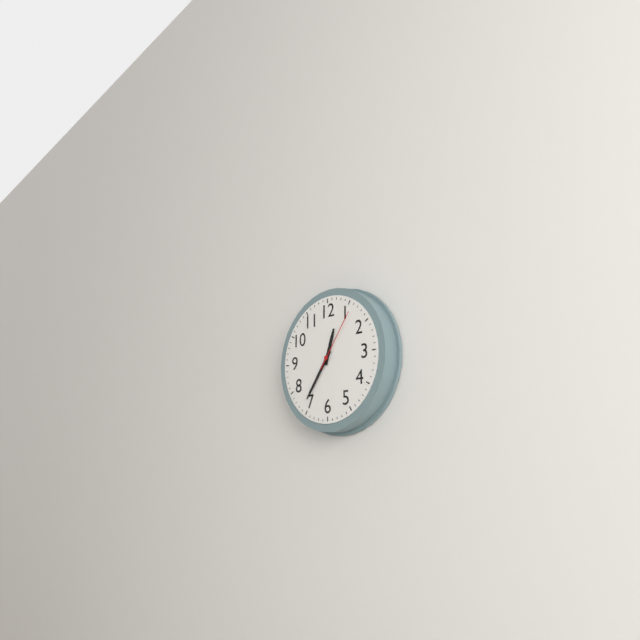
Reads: 12:36:06
